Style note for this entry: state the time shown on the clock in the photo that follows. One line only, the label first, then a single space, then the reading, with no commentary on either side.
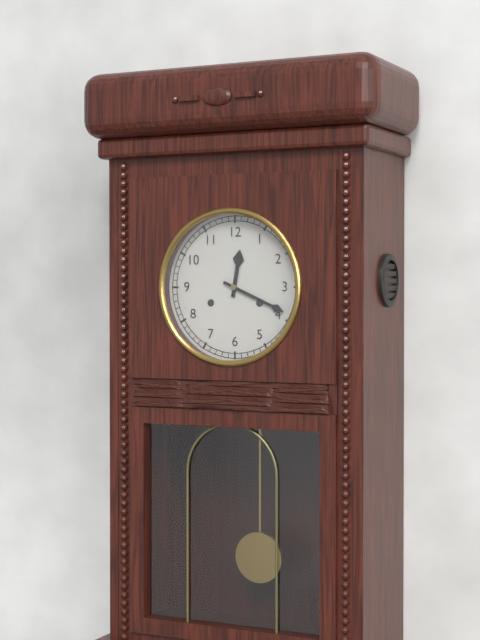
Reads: 12:19
